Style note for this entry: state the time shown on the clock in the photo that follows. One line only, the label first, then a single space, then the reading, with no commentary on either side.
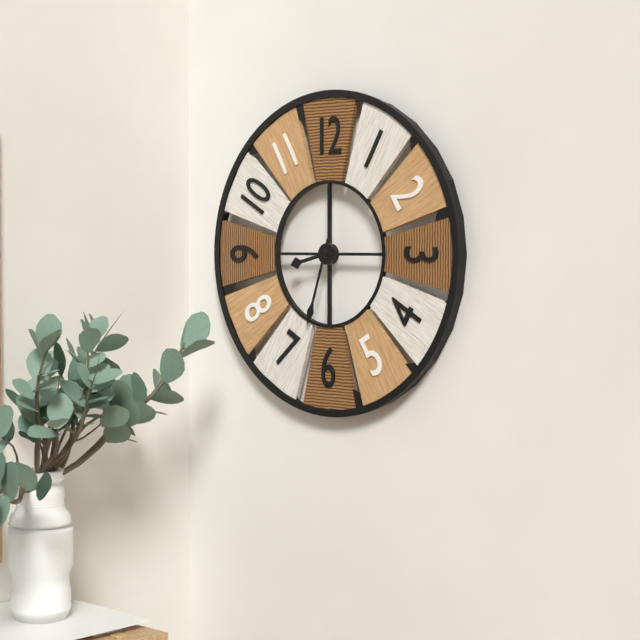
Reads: 8:33
